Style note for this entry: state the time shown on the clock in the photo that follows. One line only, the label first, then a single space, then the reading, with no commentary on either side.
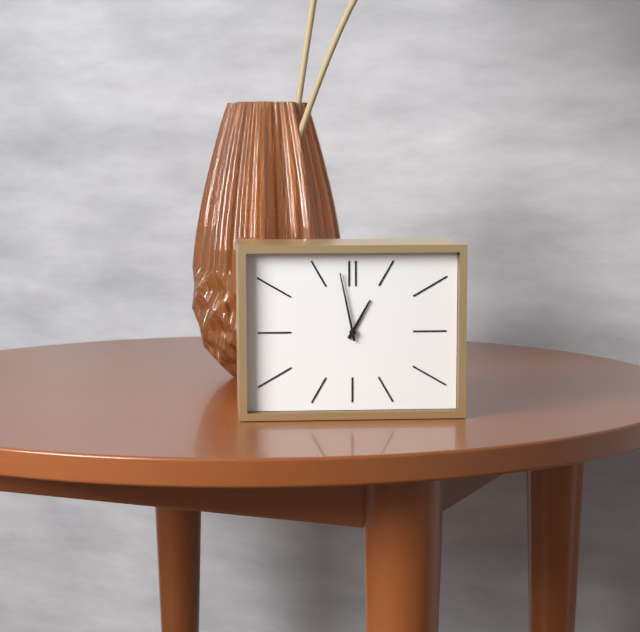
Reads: 12:58
